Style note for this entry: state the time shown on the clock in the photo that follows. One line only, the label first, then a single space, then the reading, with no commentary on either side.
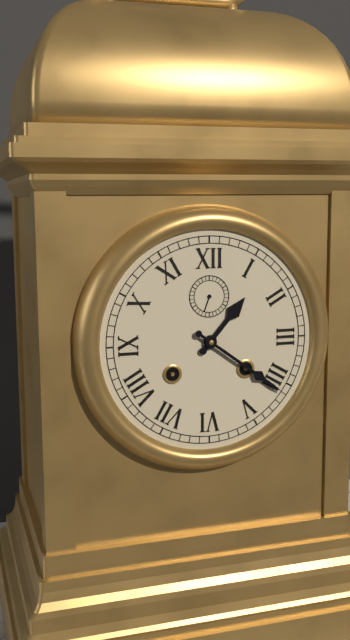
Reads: 1:21
